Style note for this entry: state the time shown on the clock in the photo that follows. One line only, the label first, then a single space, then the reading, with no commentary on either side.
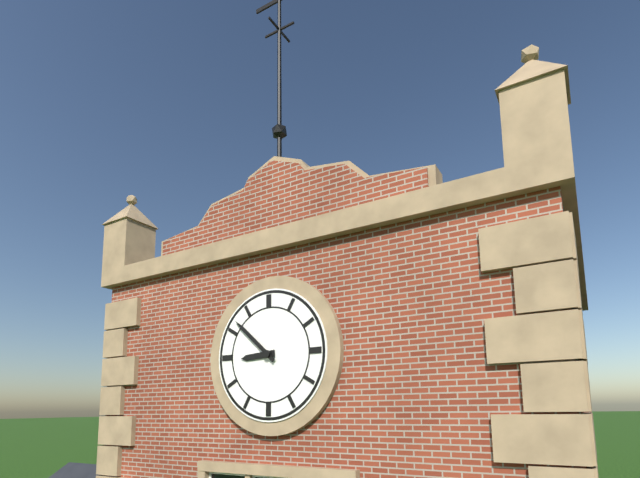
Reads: 8:52
